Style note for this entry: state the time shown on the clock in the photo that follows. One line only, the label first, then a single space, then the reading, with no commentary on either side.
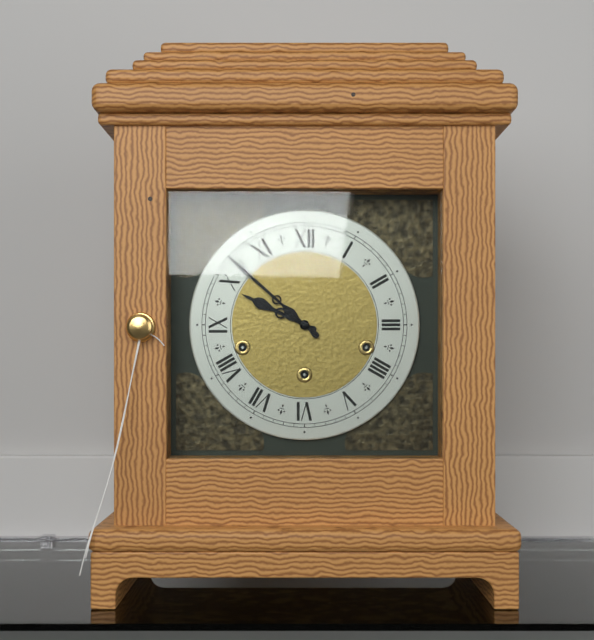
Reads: 9:52
